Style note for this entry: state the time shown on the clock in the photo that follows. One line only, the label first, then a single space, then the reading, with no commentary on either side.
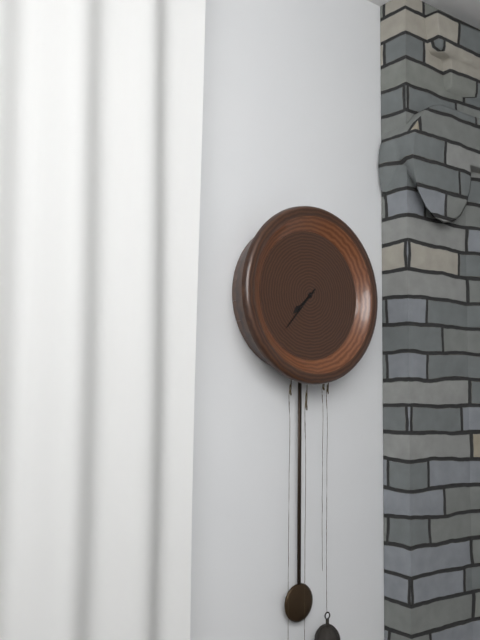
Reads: 7:37
